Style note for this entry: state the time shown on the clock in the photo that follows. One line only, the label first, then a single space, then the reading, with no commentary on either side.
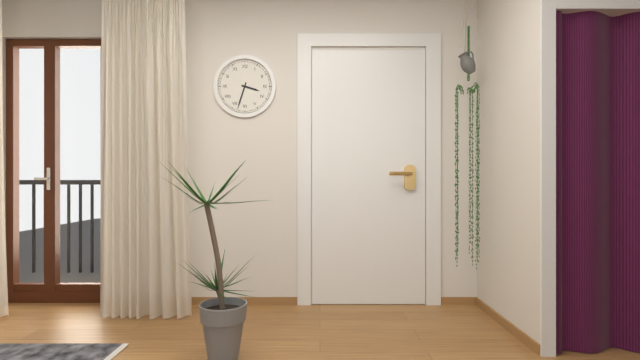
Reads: 3:33
